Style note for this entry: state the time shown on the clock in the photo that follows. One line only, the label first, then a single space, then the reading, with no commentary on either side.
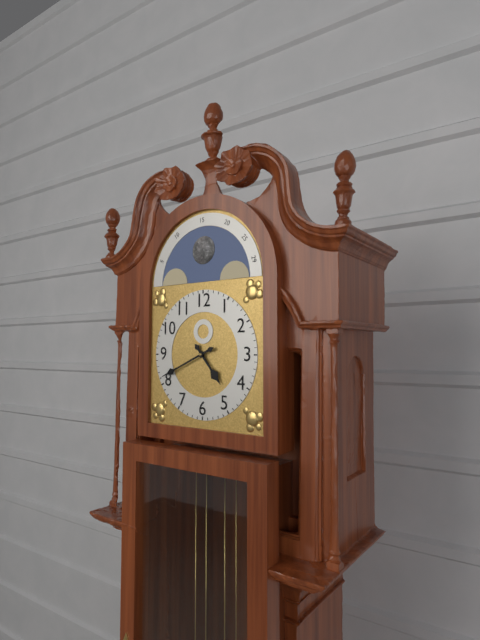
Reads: 4:41
